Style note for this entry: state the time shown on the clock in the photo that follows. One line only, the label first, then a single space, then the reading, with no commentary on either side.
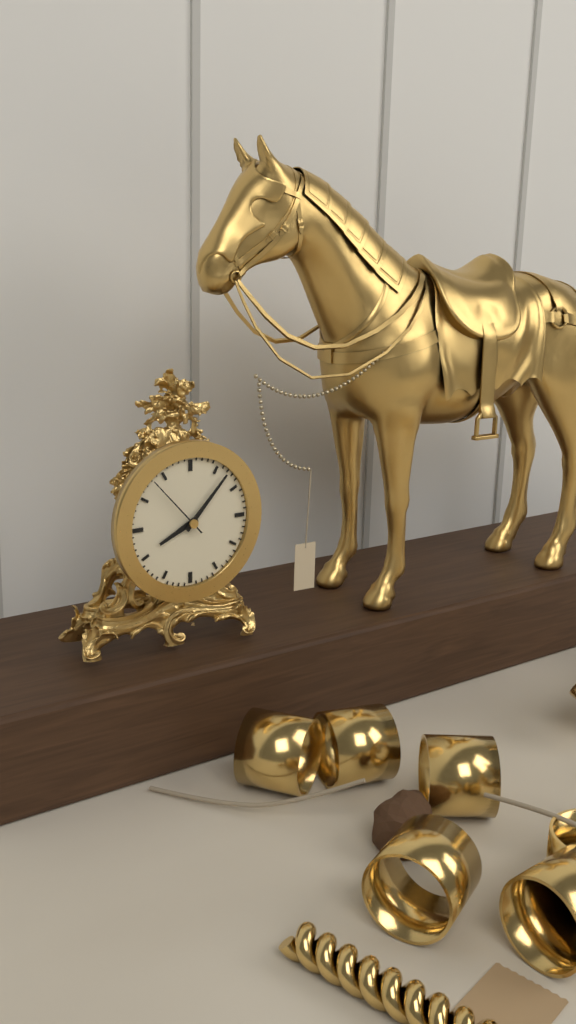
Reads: 8:07:53
